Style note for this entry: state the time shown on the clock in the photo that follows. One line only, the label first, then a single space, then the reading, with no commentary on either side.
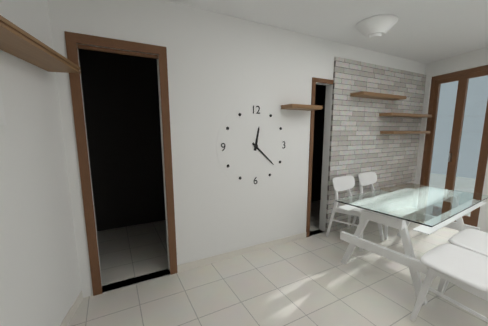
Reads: 12:22
